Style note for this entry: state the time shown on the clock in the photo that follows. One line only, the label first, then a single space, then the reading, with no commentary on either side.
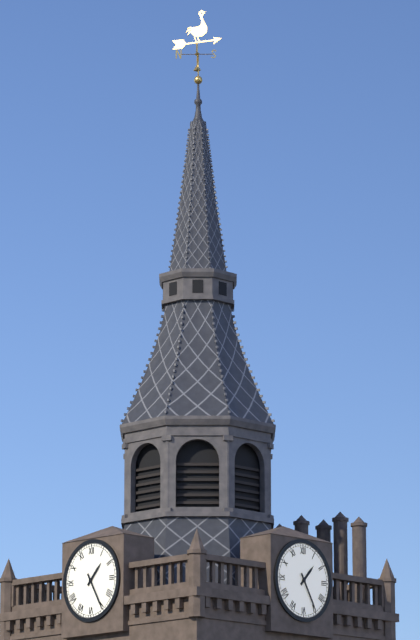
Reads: 1:25
